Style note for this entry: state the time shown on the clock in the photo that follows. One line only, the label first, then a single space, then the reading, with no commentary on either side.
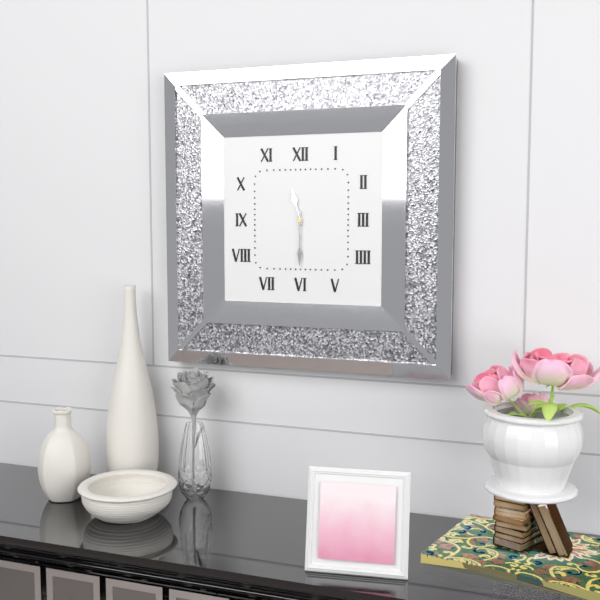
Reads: 11:30
